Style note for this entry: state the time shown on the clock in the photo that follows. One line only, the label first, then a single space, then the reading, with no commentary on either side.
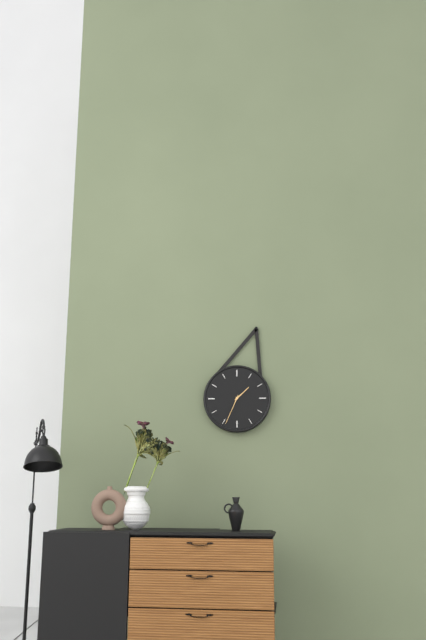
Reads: 1:34
